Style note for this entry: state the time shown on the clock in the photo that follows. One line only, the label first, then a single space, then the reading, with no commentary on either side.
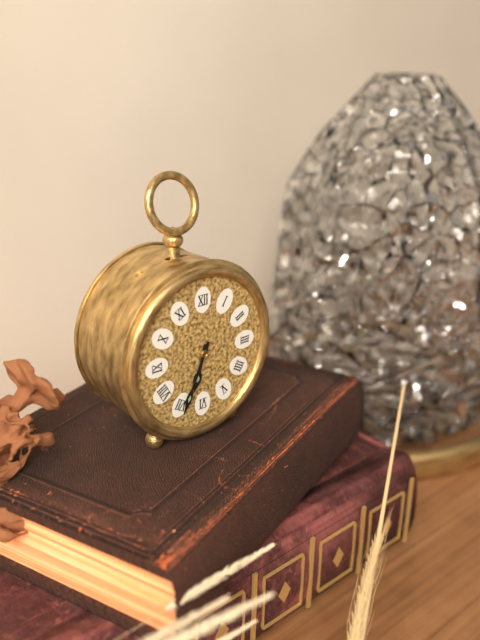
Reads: 6:34
